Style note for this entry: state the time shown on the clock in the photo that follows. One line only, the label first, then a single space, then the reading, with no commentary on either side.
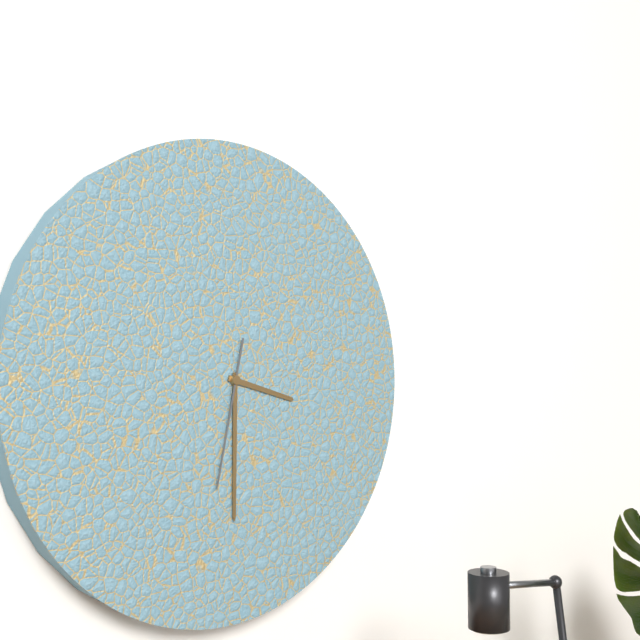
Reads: 3:30:32
